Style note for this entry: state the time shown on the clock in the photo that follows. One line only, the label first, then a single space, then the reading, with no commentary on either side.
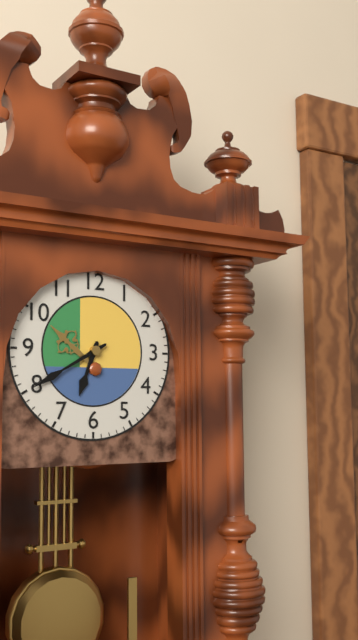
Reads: 6:40
